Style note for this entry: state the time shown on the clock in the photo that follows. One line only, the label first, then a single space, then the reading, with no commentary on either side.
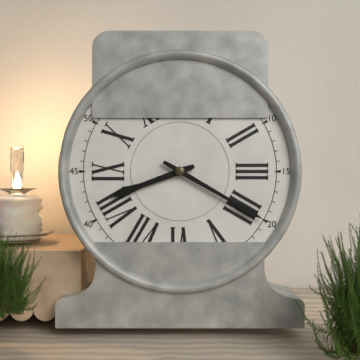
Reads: 8:20
